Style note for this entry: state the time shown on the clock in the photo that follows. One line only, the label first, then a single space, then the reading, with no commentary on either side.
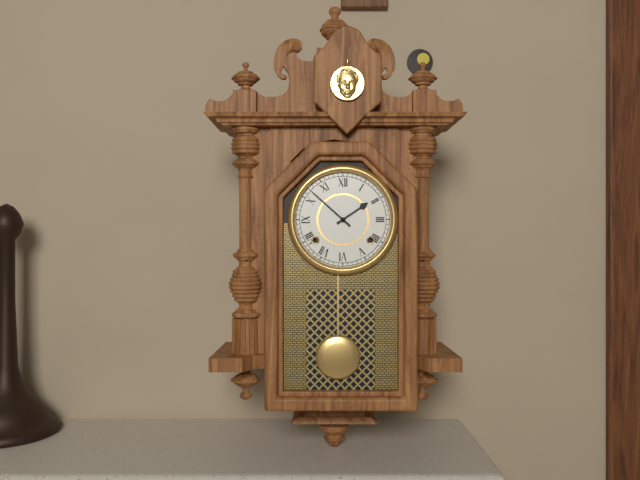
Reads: 1:52
